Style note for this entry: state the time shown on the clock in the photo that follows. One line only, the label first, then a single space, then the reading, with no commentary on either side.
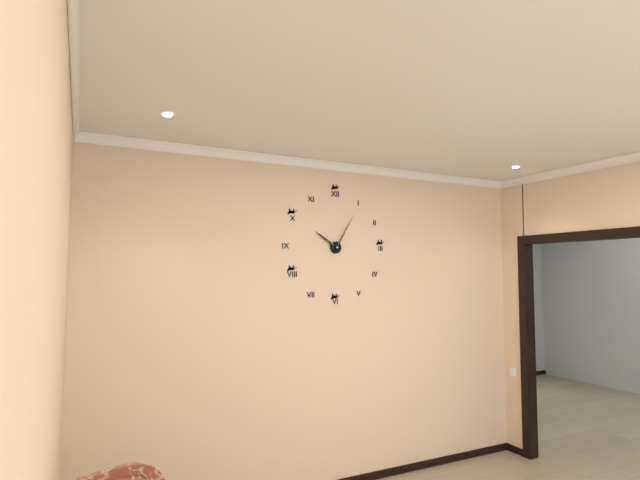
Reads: 10:05
